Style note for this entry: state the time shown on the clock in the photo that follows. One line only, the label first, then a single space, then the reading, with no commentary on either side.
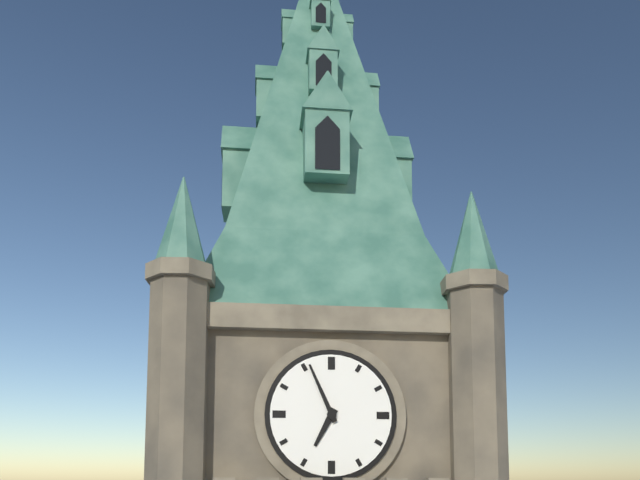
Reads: 6:56
